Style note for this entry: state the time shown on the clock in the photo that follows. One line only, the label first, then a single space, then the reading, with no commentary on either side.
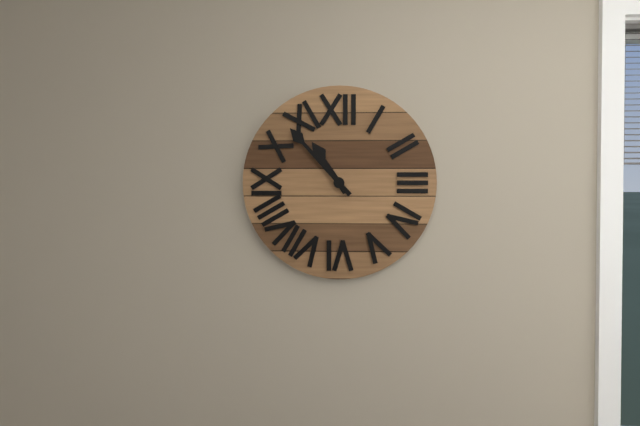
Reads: 10:53
